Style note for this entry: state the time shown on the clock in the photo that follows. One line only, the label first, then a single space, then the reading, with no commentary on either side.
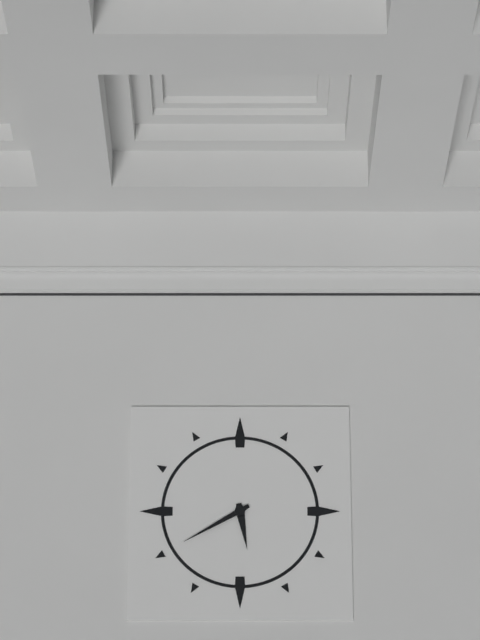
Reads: 5:40
